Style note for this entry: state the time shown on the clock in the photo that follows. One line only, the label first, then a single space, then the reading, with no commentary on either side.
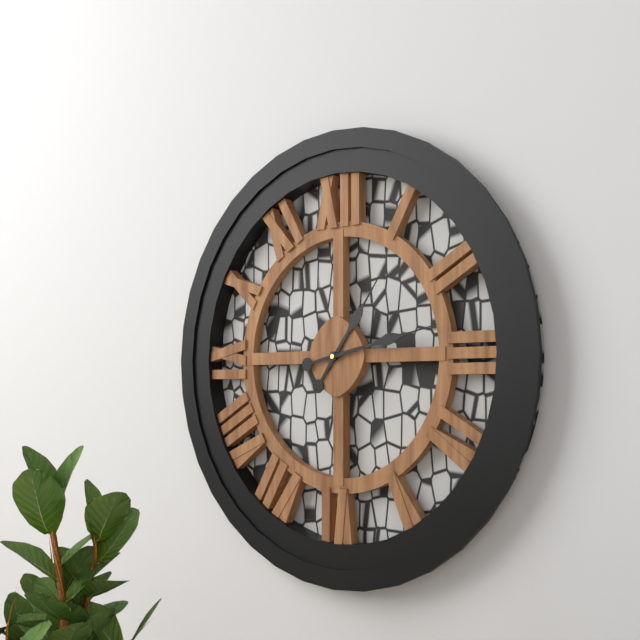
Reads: 1:13
